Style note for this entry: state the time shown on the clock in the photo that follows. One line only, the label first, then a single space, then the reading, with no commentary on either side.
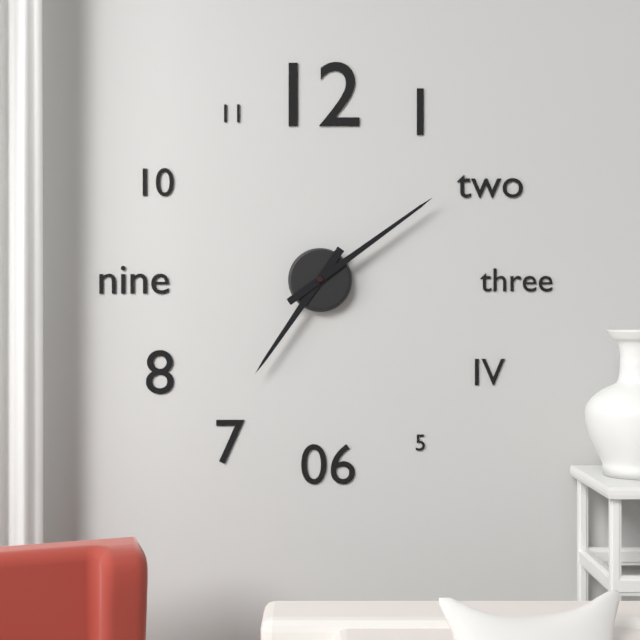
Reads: 7:09
